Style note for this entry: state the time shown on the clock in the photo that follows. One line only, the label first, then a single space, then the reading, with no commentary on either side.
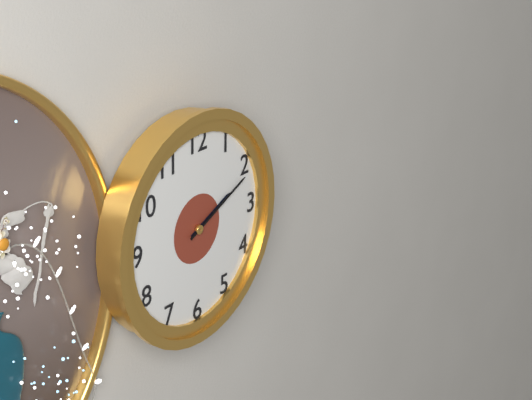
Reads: 2:11
